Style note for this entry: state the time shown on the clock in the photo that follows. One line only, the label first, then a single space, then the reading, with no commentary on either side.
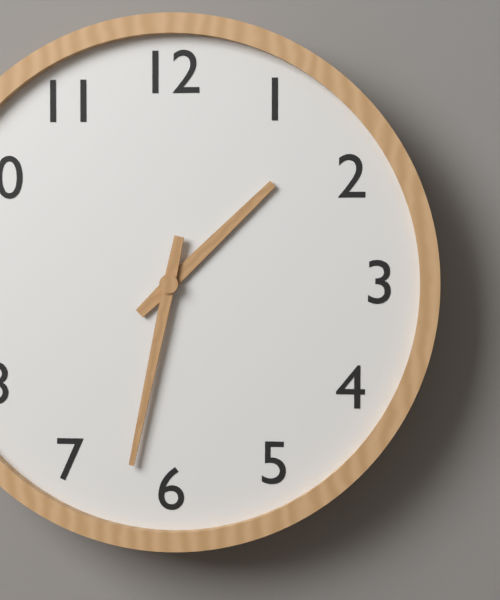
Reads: 1:32
